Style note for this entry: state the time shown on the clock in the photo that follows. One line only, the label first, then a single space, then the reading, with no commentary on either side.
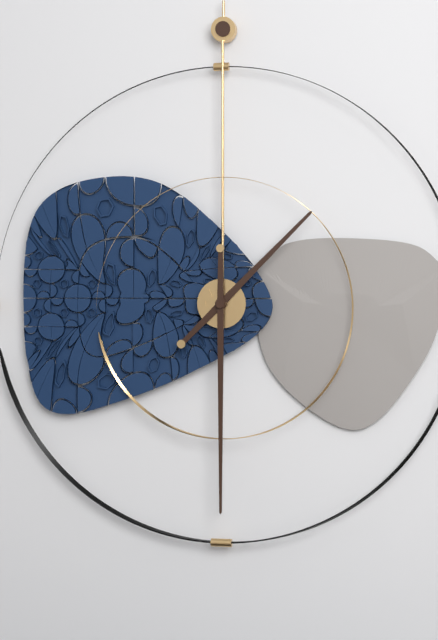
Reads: 1:30
